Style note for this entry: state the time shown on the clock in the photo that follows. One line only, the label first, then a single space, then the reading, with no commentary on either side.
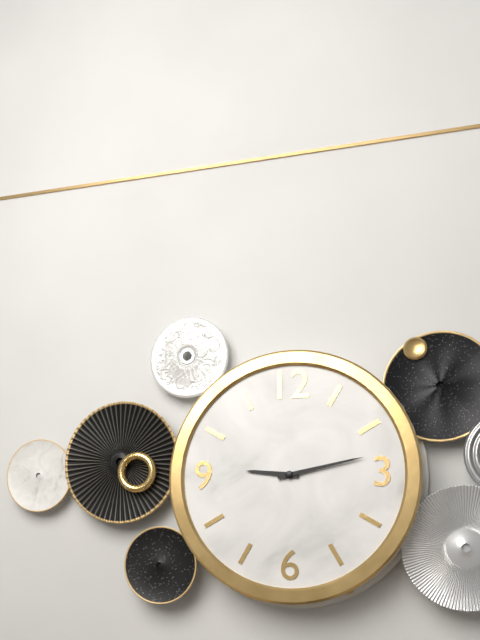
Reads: 9:13
